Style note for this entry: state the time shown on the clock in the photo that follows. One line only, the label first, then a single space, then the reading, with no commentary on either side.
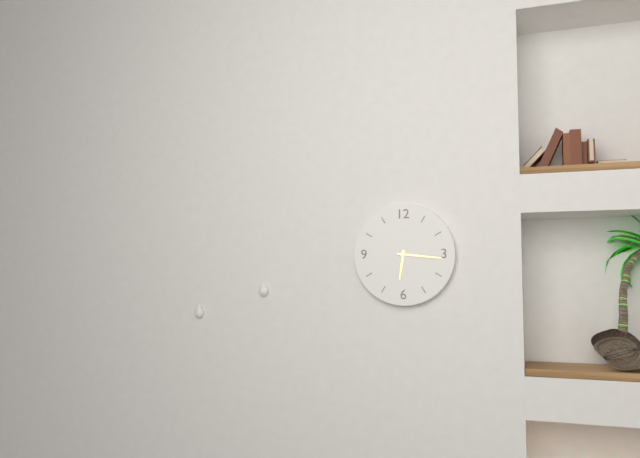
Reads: 6:16
